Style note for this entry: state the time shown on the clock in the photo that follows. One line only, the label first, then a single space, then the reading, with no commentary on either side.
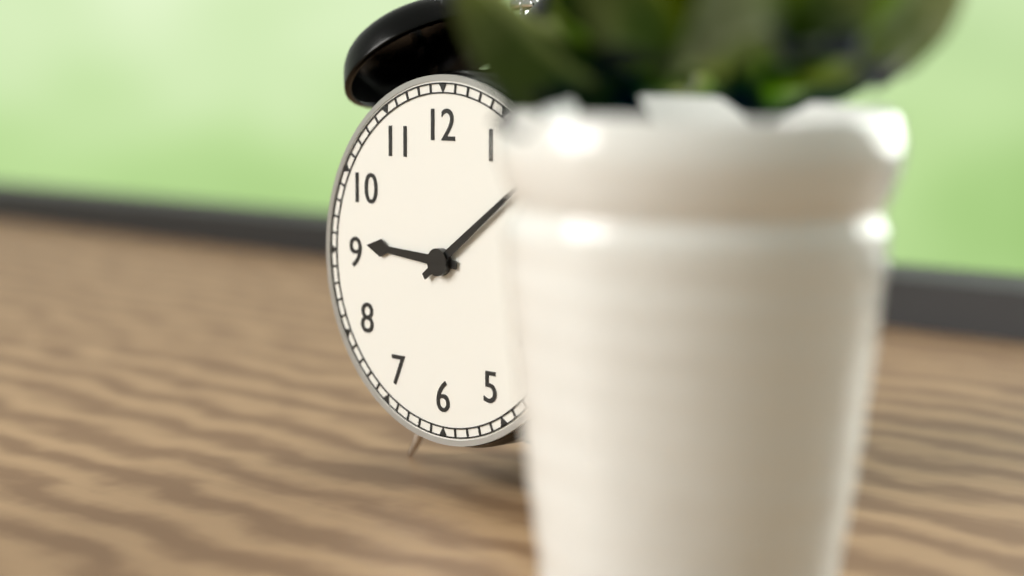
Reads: 9:09
